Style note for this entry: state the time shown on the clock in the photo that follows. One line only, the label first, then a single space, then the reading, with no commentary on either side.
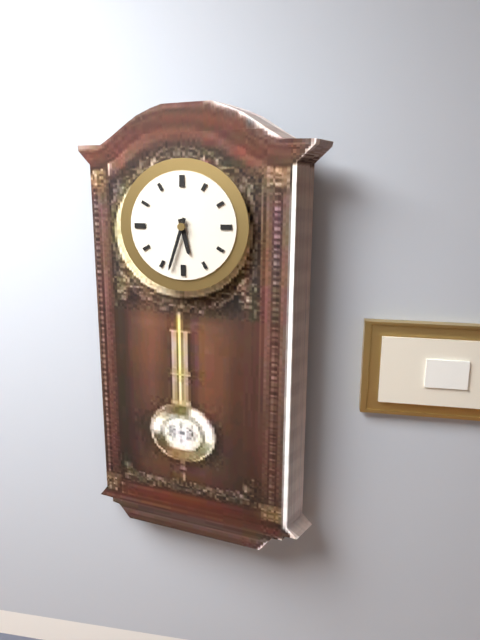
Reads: 5:33
